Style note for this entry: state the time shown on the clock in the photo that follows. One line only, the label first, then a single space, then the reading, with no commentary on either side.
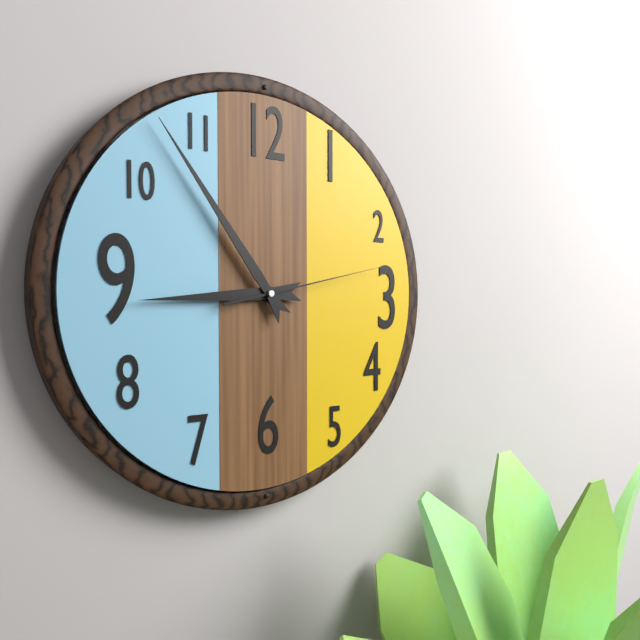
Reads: 8:54:13
